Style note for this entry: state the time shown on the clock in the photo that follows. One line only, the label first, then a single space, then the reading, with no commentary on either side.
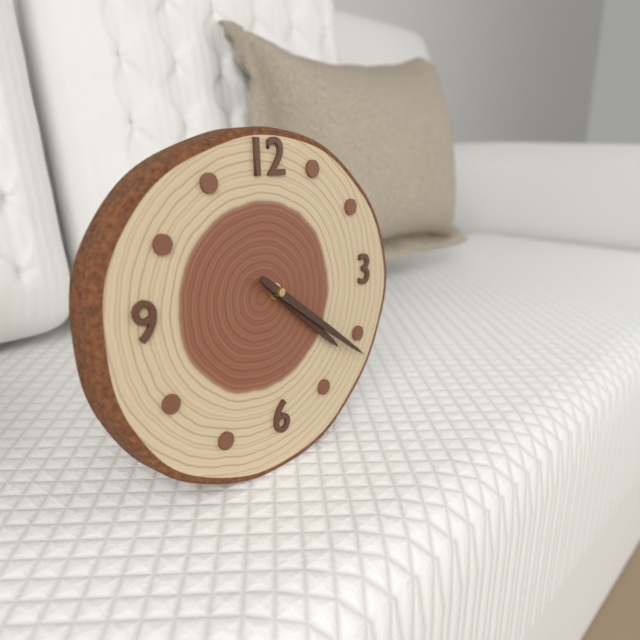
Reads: 4:21
